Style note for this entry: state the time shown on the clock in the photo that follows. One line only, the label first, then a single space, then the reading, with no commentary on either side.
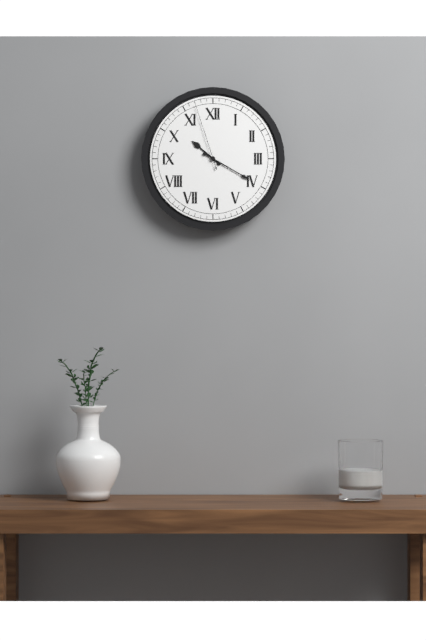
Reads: 10:20:57
